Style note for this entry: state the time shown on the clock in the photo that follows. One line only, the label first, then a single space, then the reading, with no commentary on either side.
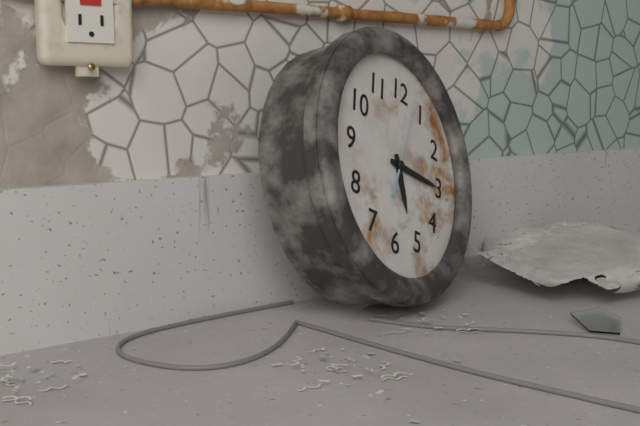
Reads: 5:15:03
